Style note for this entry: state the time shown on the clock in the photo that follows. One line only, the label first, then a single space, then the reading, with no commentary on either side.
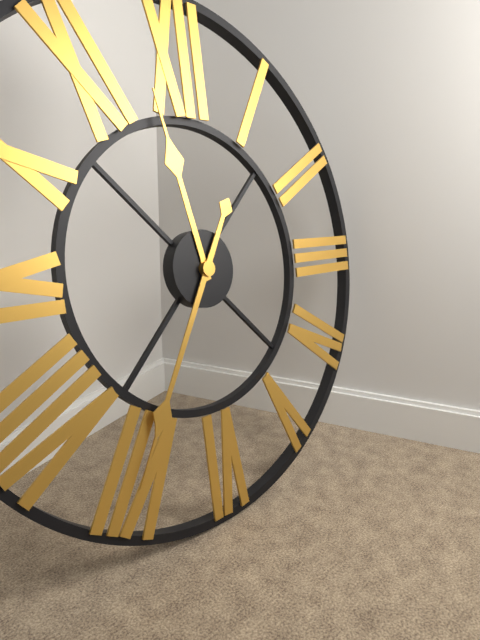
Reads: 11:35
